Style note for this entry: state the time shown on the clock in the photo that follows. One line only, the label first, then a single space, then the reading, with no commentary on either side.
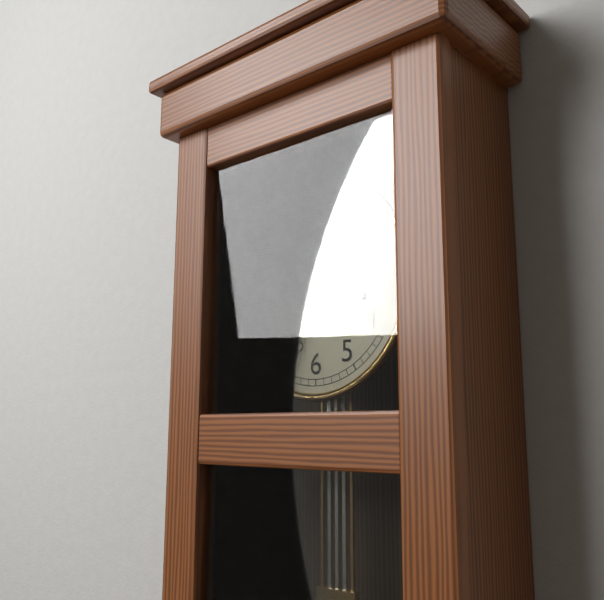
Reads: 8:33
